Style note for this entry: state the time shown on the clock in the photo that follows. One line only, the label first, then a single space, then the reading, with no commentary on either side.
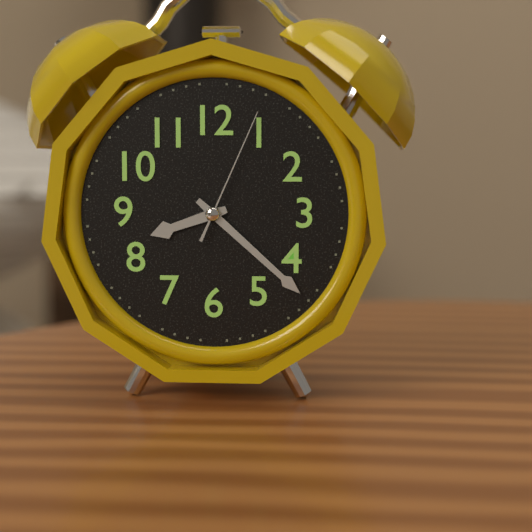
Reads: 8:22:04
